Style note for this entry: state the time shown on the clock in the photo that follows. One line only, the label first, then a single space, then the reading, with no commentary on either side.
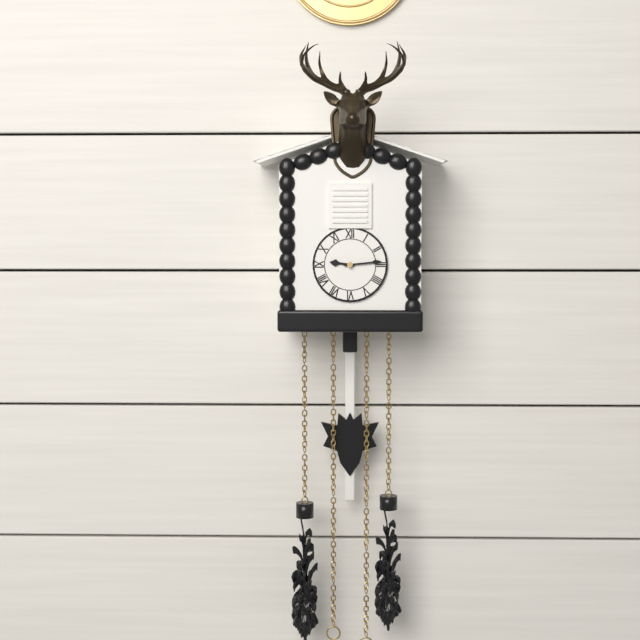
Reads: 9:14
